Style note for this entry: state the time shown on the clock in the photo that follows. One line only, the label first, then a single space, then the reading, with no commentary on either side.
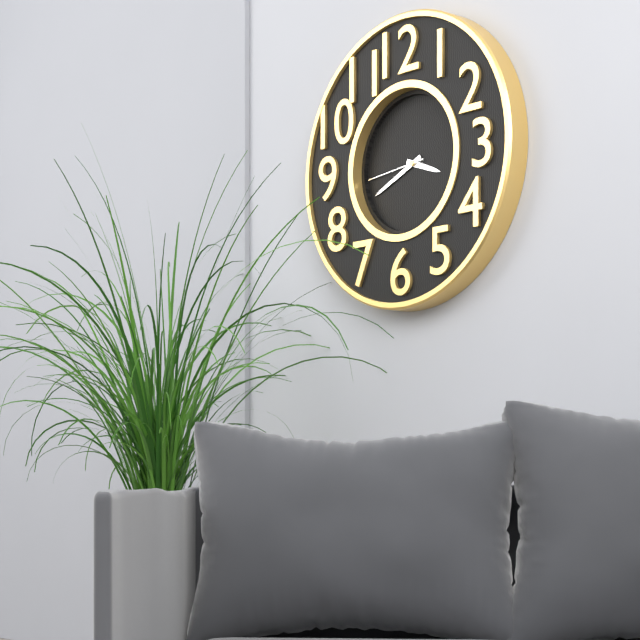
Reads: 3:41:44
